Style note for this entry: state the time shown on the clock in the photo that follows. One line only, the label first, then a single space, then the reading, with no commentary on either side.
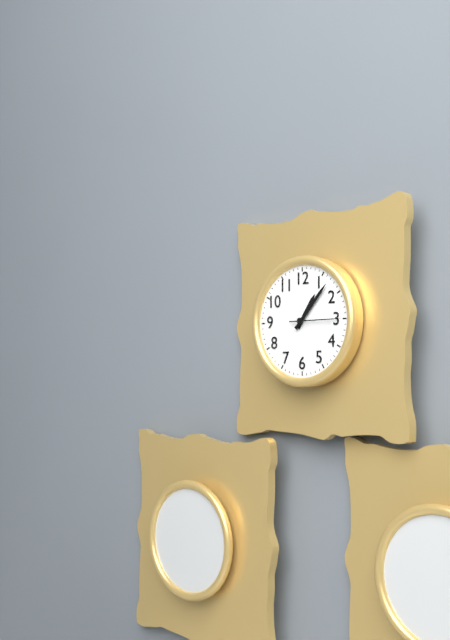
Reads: 1:07:15
